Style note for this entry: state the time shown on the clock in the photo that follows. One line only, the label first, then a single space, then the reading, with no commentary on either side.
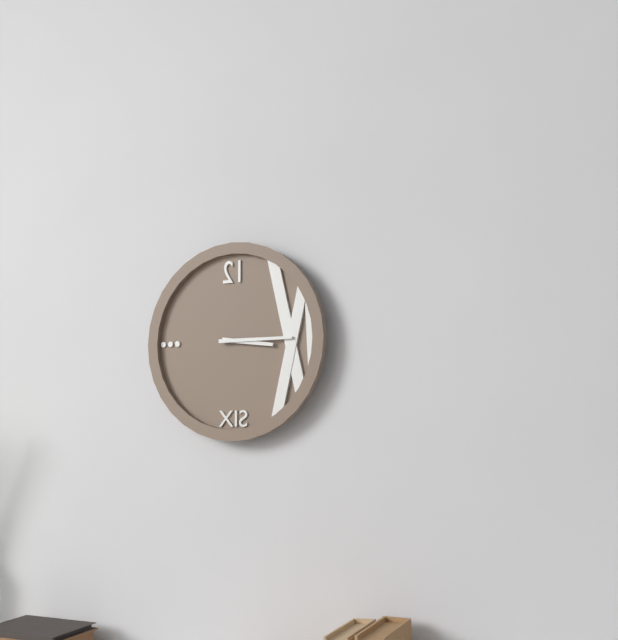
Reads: 3:15
